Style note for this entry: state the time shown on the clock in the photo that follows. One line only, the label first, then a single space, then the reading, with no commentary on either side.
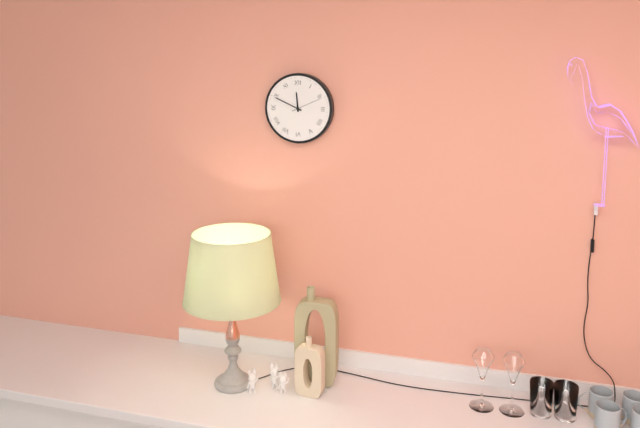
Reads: 11:49
